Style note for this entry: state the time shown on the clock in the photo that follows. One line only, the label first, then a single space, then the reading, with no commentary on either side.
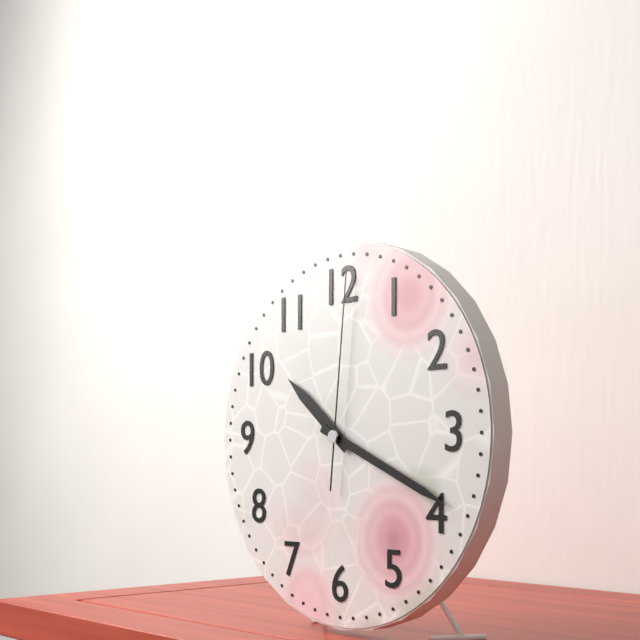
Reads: 10:19:01
